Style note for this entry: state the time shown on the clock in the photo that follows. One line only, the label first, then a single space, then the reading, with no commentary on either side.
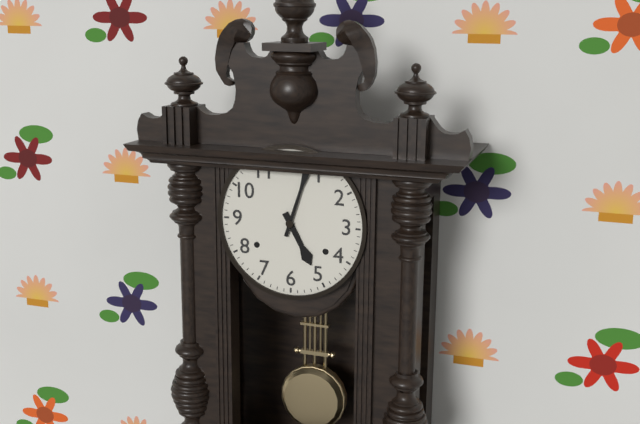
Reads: 5:03
